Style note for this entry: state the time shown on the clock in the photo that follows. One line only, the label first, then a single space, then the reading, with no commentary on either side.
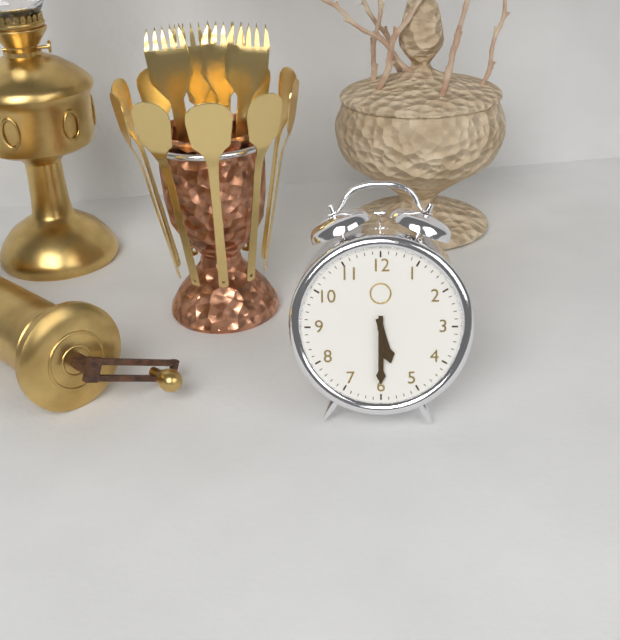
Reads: 5:30
